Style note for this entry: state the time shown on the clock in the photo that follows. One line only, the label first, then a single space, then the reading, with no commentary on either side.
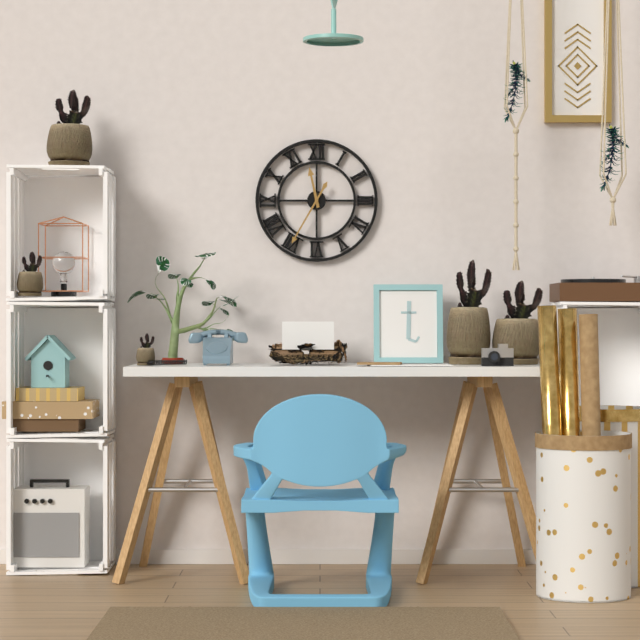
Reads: 11:35
